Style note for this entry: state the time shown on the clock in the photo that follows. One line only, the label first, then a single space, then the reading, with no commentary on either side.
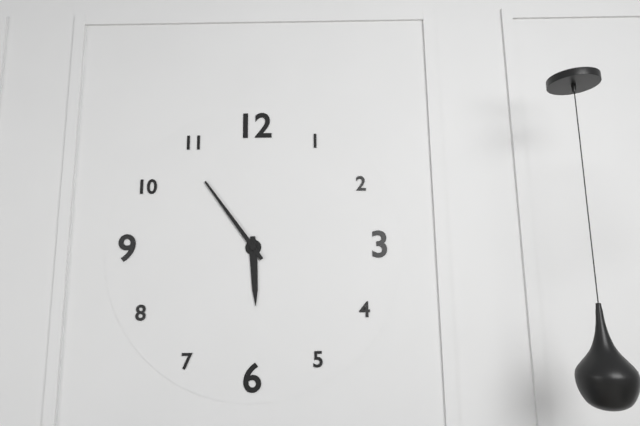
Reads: 5:54
